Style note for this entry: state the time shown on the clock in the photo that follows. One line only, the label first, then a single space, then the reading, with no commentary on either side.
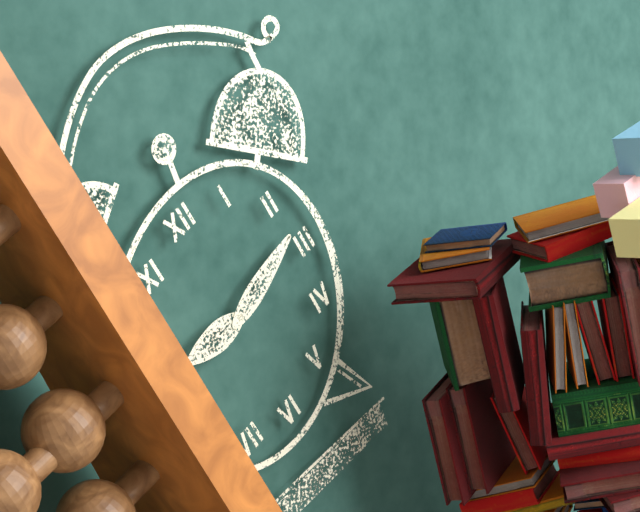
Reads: 9:13
